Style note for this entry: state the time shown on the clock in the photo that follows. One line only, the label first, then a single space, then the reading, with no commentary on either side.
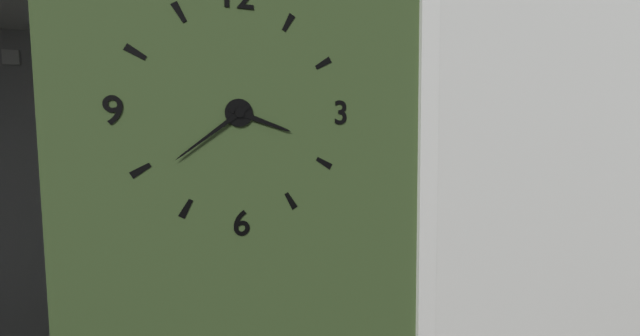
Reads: 3:39
